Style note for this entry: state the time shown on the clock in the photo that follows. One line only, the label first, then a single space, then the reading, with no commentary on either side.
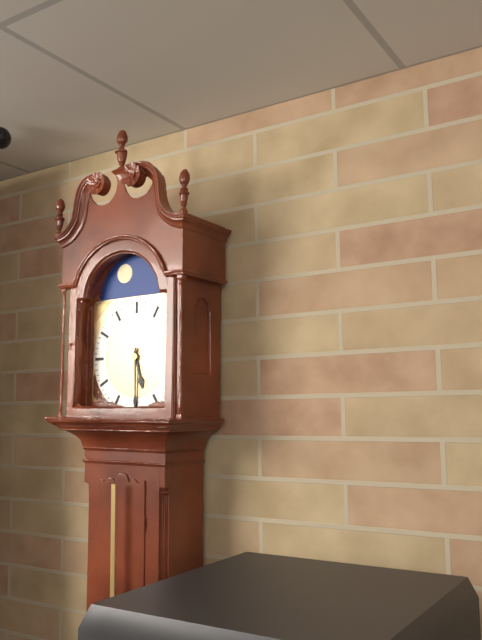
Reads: 5:30
